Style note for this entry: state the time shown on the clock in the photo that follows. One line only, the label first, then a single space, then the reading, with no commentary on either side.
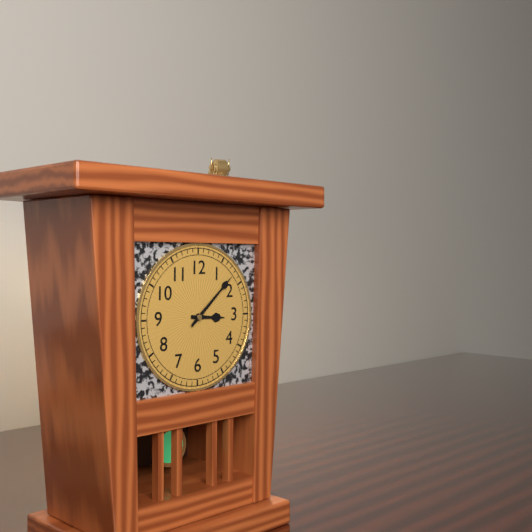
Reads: 3:08
